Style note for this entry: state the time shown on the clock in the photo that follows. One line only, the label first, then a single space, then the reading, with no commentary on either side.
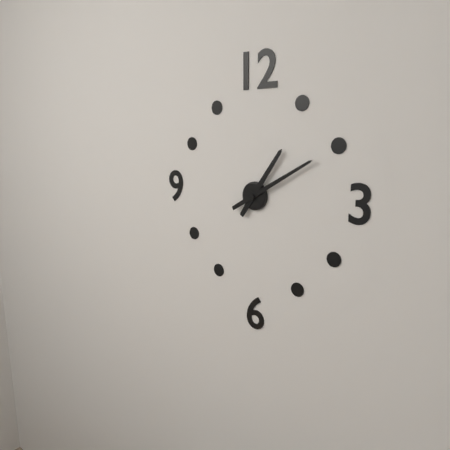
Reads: 1:10
